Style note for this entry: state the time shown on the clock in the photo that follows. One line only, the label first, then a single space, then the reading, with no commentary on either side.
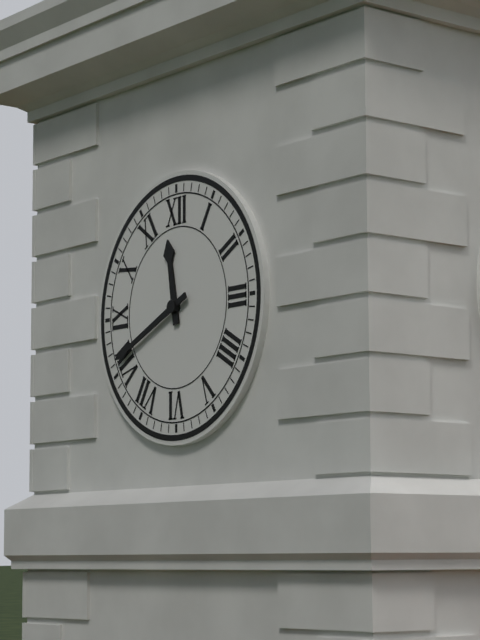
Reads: 11:41
